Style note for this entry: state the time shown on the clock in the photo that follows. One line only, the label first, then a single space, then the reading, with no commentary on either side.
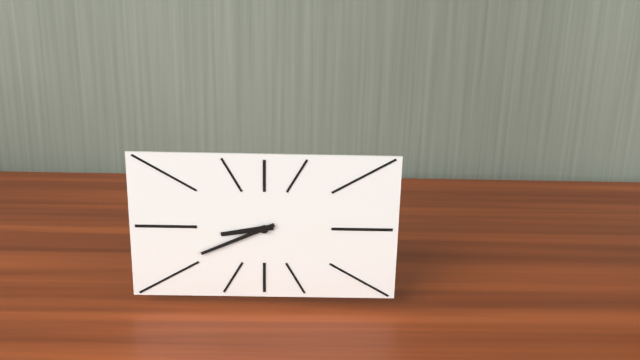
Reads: 8:41
